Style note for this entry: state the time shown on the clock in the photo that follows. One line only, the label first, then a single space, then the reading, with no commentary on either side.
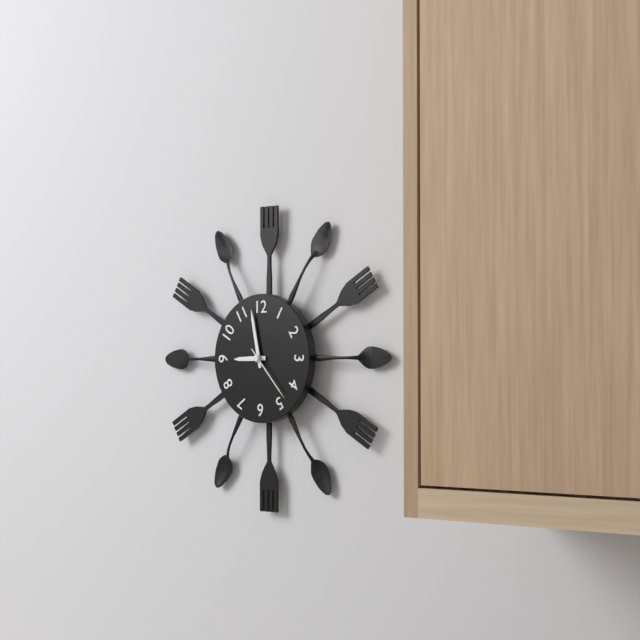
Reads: 8:58:23
